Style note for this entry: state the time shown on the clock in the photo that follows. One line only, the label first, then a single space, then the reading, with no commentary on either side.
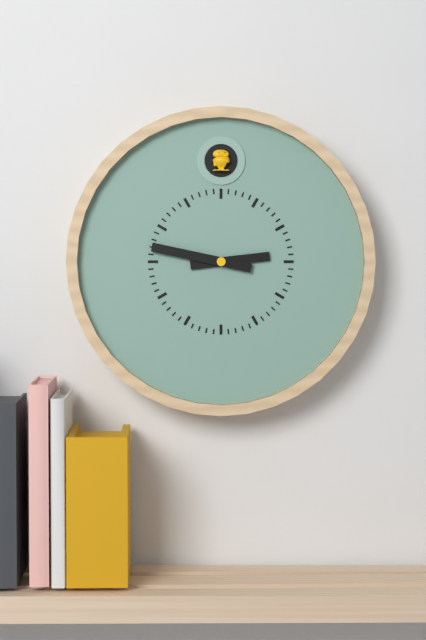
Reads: 2:47
